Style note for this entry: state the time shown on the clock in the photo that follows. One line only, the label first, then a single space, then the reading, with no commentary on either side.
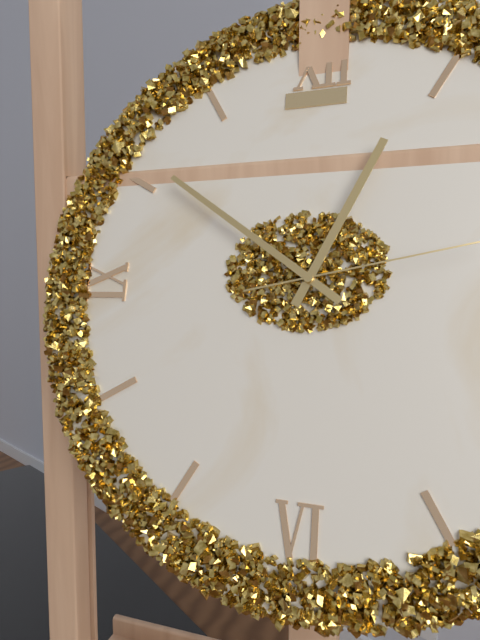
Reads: 12:51
